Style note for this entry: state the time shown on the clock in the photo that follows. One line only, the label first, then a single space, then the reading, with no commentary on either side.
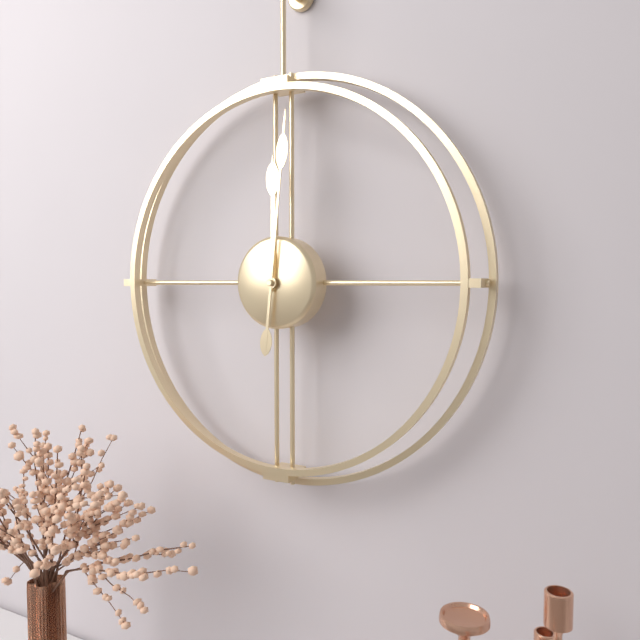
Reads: 12:01
